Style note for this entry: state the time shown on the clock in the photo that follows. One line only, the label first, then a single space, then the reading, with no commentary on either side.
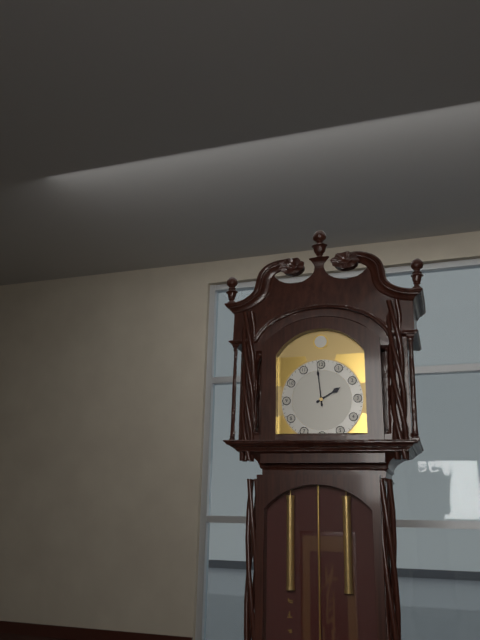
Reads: 1:59
